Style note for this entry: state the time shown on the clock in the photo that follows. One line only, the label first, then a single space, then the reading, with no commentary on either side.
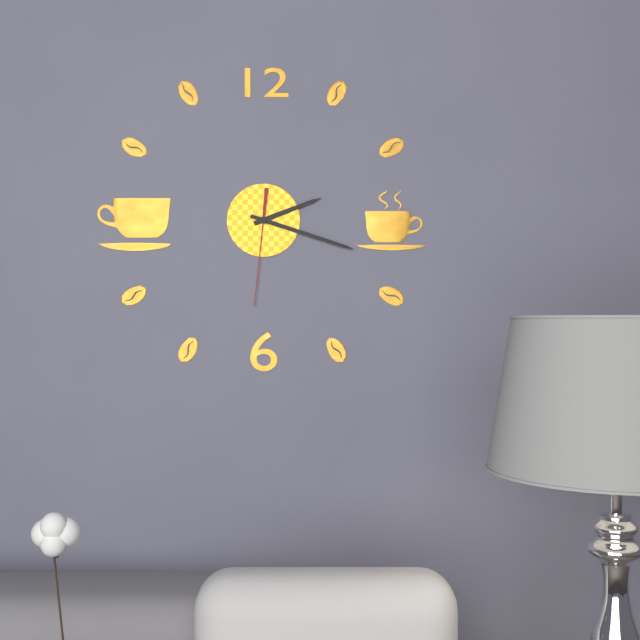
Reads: 2:18:31
